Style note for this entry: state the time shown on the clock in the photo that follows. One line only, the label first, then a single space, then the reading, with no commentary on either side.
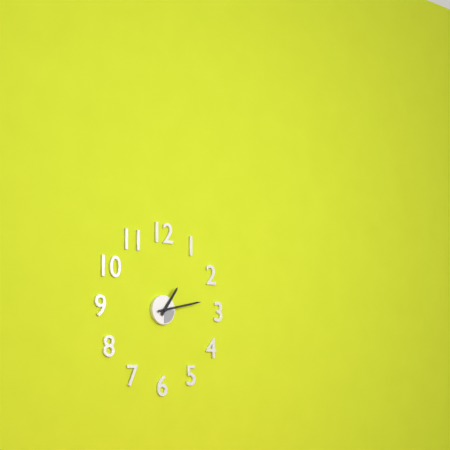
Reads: 1:13
